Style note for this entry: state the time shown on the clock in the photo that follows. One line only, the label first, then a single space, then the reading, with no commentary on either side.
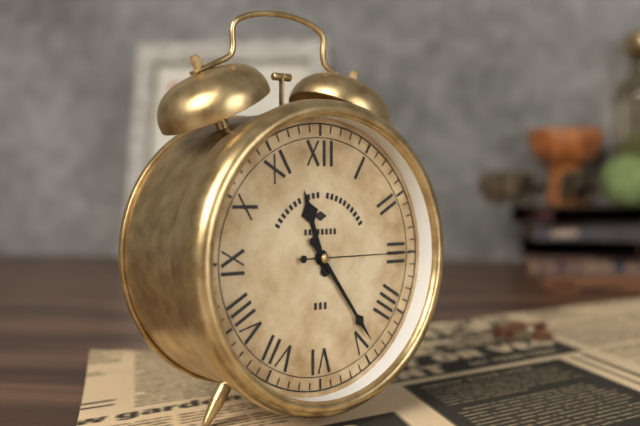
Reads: 11:24:15
